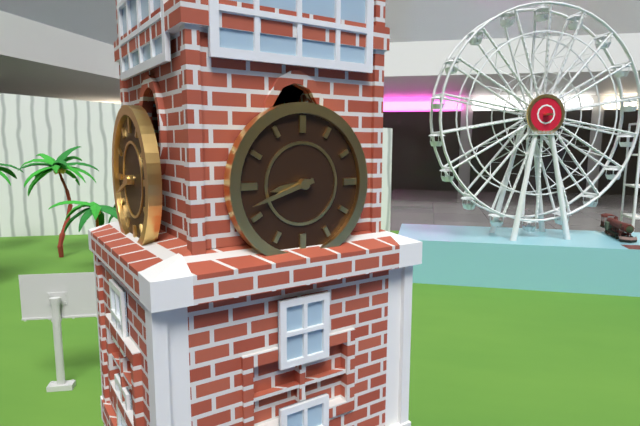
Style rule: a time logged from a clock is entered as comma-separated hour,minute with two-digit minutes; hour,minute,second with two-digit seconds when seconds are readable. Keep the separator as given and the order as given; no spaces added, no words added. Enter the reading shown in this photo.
8,42
